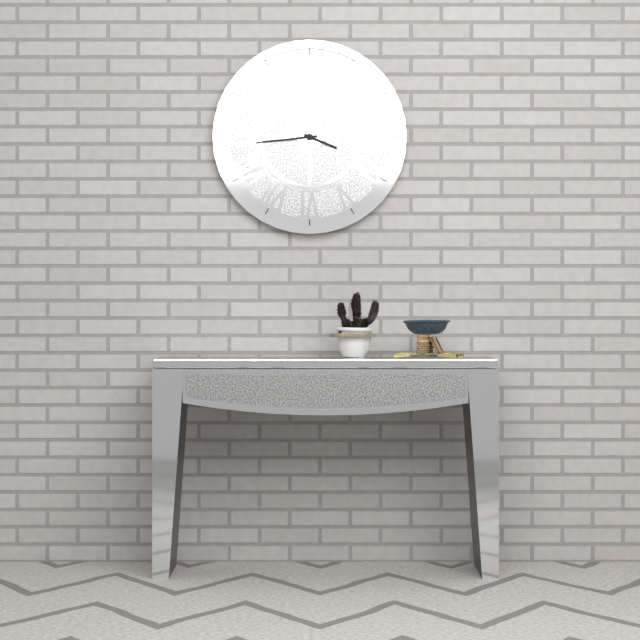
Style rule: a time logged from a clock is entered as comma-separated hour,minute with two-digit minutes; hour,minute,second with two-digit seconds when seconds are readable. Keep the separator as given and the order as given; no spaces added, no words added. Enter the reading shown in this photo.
3,44
